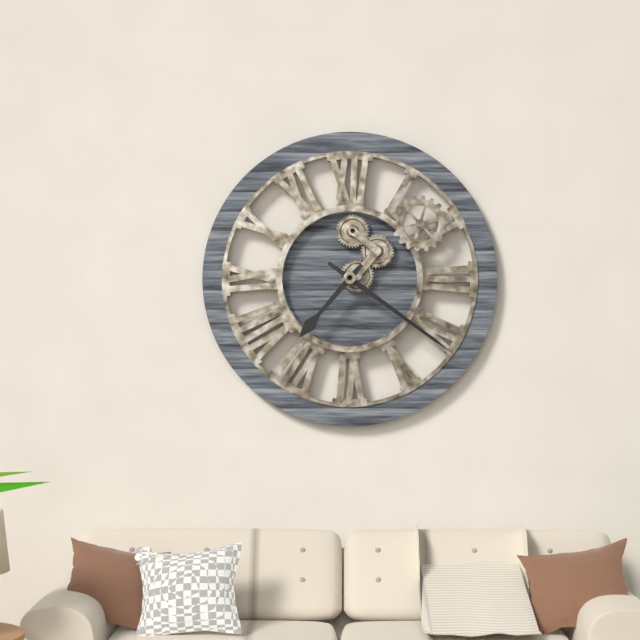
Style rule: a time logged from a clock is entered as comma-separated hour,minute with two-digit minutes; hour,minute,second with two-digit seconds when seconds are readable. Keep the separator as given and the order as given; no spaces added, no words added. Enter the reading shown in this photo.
7,21
